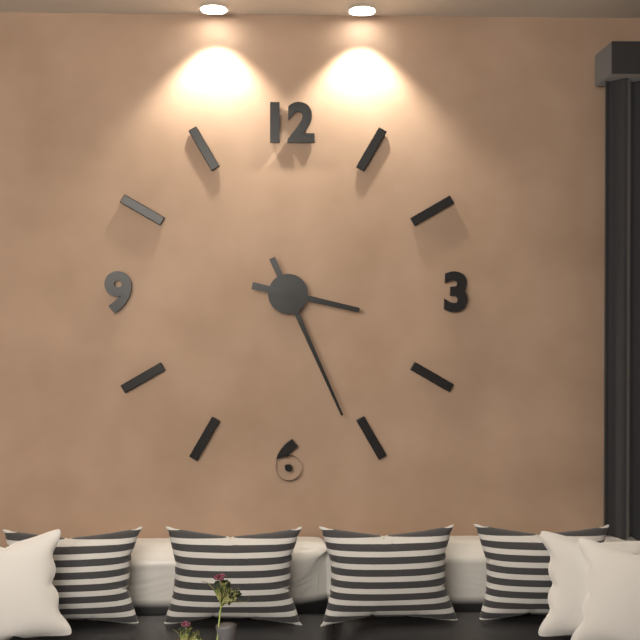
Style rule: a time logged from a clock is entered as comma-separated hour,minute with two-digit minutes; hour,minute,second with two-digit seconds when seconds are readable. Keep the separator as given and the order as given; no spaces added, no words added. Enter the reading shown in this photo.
3,26
